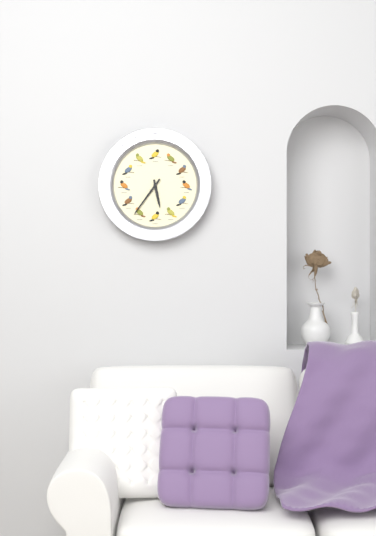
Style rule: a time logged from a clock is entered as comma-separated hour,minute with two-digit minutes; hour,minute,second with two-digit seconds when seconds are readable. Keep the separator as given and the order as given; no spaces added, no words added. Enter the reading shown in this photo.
5,36
